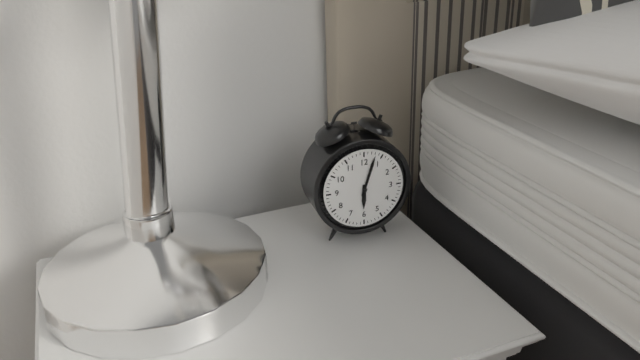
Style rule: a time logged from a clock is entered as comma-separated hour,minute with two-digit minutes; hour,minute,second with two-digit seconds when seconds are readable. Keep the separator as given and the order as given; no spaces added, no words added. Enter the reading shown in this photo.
6,03
